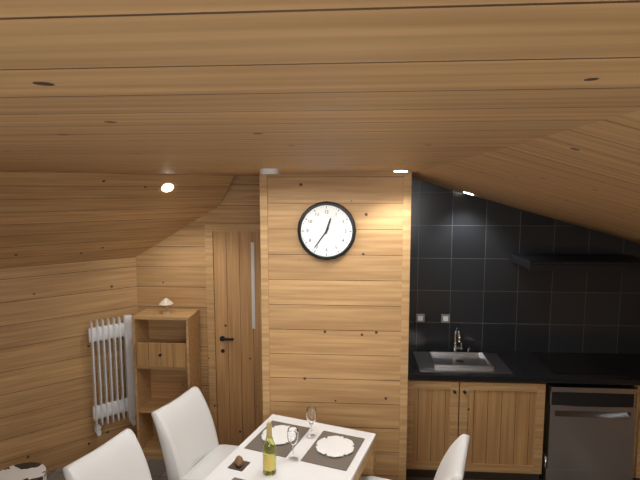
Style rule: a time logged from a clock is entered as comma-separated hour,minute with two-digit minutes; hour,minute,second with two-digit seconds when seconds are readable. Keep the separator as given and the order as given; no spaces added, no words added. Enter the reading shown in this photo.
12,36
